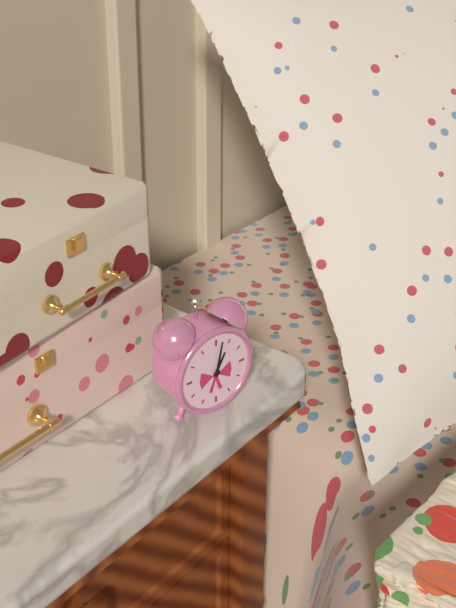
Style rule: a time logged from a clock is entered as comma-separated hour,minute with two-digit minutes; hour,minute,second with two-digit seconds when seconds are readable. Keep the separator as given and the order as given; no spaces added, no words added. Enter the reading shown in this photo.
1,02
